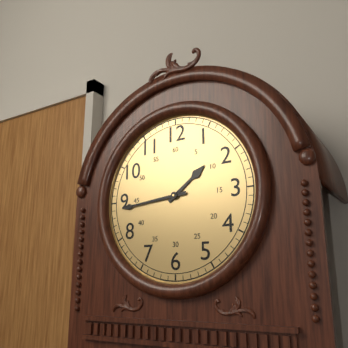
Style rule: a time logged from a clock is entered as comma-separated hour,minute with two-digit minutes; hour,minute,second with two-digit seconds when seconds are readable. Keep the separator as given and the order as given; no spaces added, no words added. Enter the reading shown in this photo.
1,44
